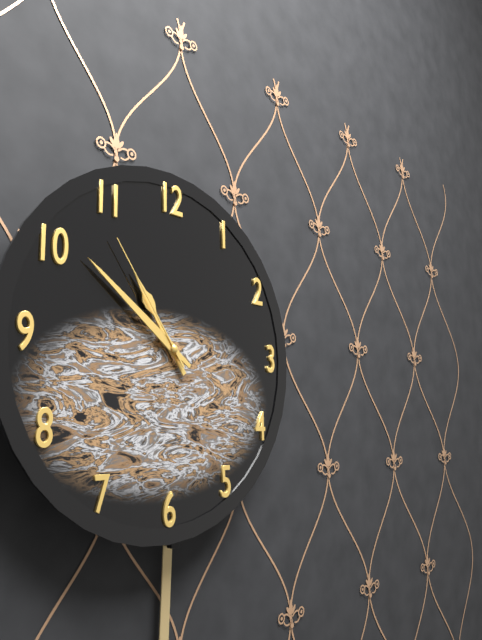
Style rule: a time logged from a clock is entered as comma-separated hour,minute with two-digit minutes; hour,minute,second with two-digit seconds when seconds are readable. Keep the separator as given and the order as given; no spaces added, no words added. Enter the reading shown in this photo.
10,51,54
